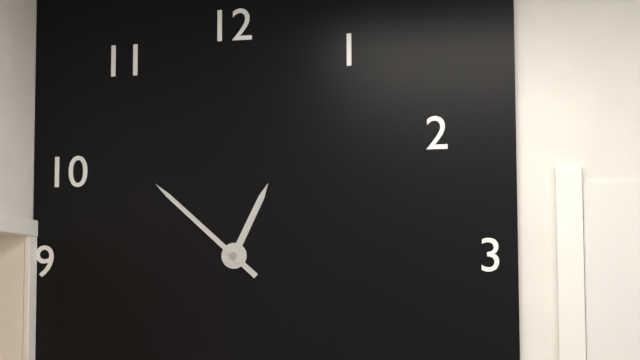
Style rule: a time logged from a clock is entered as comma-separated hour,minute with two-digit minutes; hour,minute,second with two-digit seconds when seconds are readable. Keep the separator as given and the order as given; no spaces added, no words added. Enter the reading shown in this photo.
12,52
